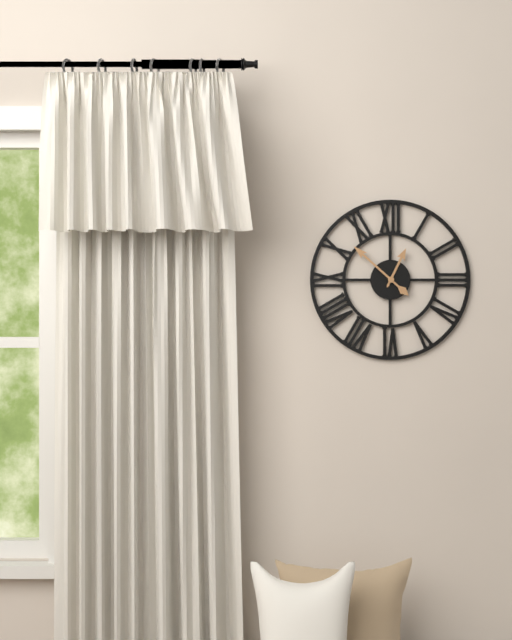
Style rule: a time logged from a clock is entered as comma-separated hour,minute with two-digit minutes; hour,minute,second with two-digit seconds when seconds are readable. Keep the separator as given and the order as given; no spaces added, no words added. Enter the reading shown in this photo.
12,52
